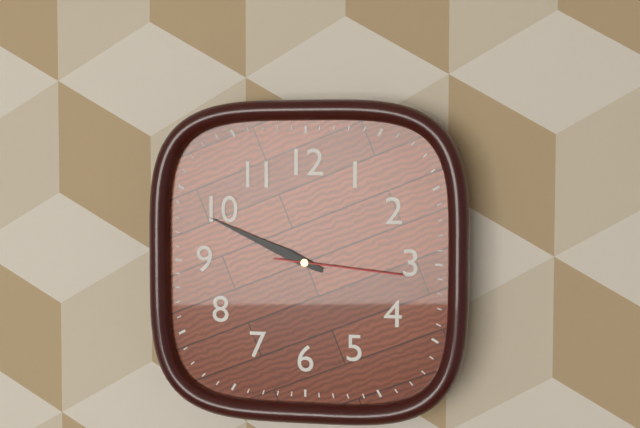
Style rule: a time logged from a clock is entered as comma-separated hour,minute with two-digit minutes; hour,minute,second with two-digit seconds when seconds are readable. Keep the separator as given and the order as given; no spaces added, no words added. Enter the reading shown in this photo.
9,49,16
